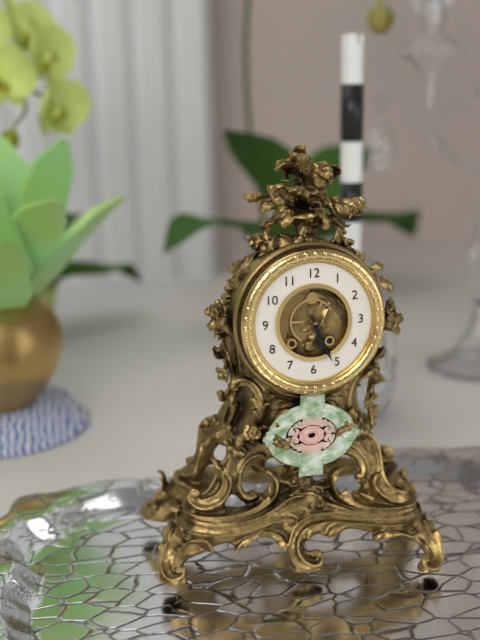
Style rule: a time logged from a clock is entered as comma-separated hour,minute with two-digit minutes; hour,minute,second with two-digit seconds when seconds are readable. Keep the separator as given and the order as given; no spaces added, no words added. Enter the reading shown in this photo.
5,26
